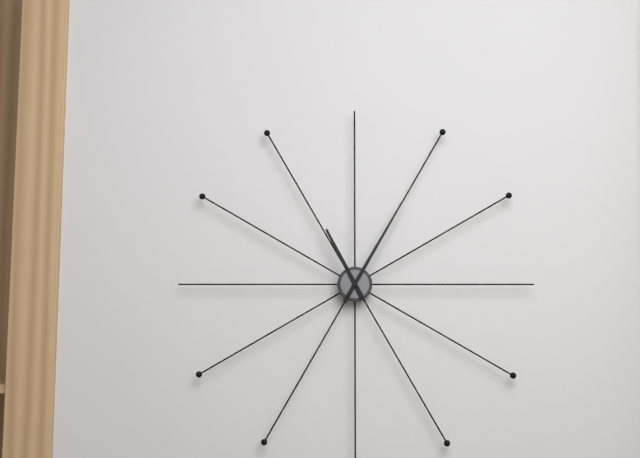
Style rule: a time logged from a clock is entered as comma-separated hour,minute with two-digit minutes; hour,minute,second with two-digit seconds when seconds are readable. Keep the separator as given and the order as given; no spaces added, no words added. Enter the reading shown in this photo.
11,05
